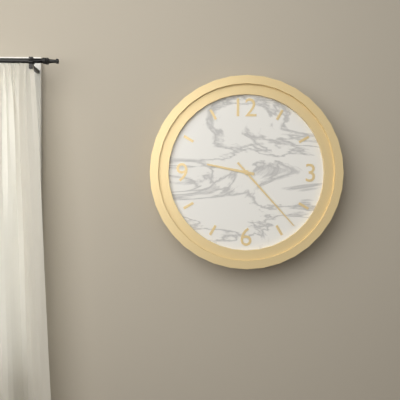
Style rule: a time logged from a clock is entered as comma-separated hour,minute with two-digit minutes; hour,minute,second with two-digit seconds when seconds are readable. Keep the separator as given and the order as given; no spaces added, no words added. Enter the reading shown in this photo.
9,23
